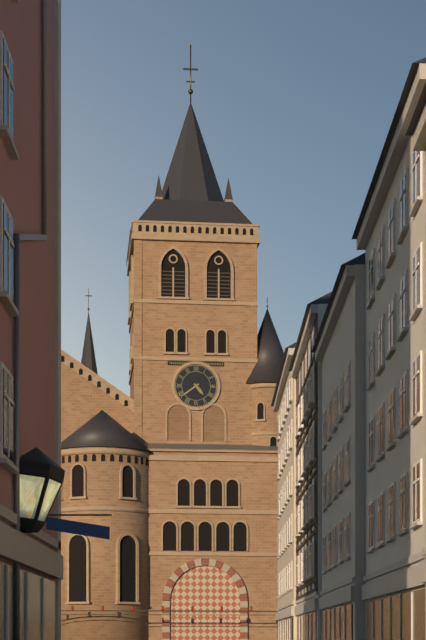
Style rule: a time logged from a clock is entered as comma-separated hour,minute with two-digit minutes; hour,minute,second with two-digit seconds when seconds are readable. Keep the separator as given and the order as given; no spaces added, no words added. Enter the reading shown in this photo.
4,39
